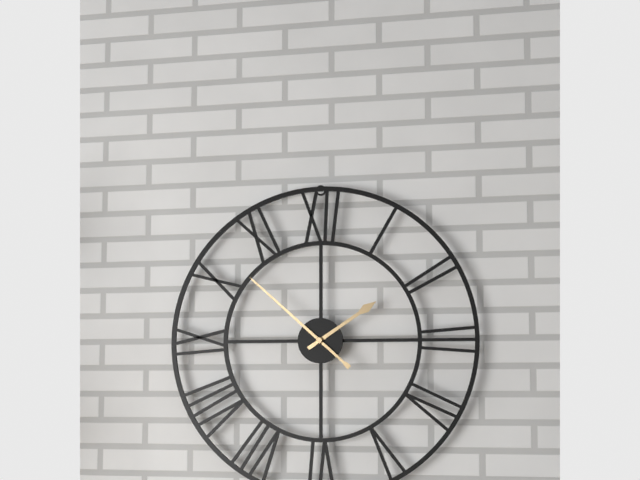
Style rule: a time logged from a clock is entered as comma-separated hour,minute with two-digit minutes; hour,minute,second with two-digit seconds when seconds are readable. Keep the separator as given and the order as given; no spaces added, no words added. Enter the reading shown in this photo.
1,52
